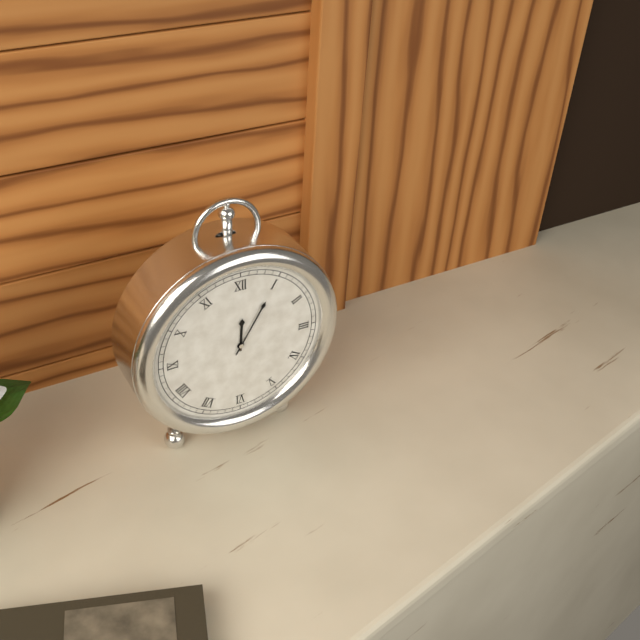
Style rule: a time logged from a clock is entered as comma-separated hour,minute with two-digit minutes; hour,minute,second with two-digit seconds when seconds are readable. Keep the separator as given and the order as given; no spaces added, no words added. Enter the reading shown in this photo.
12,05
